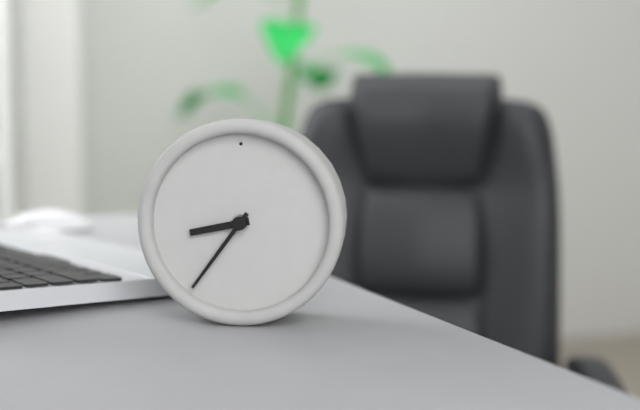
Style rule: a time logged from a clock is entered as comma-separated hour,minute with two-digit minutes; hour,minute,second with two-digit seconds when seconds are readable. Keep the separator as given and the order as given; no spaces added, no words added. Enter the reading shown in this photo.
8,36
